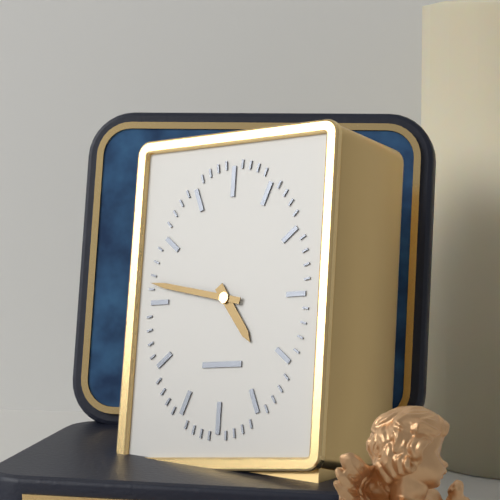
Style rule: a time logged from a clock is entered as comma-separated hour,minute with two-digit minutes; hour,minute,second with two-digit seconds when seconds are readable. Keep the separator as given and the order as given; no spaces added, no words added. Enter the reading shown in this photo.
4,47
